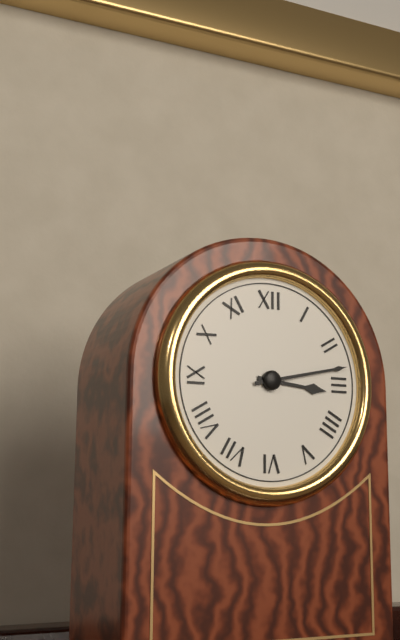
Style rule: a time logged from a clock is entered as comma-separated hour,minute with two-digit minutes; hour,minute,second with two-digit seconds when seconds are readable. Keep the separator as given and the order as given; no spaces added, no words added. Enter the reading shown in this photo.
3,13
